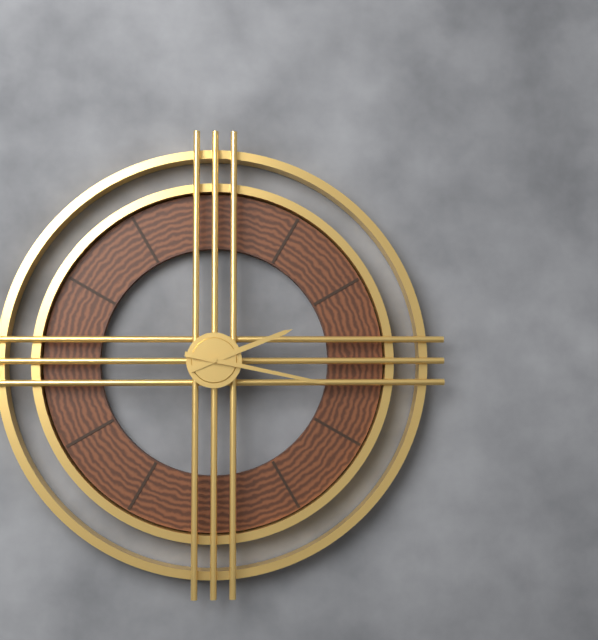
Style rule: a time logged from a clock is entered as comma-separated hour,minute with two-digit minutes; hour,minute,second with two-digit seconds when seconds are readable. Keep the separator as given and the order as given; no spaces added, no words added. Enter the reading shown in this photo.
2,17
